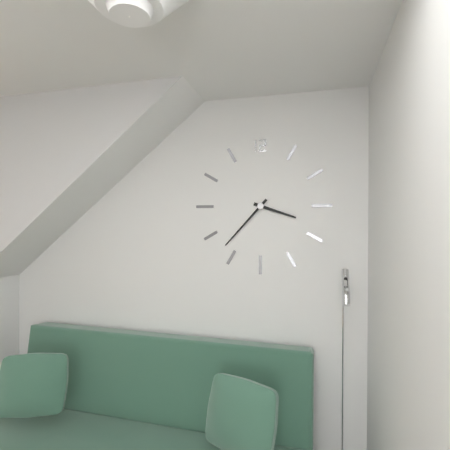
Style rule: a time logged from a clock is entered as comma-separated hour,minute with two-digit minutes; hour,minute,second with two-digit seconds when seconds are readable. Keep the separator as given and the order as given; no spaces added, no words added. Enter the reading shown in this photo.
3,37
